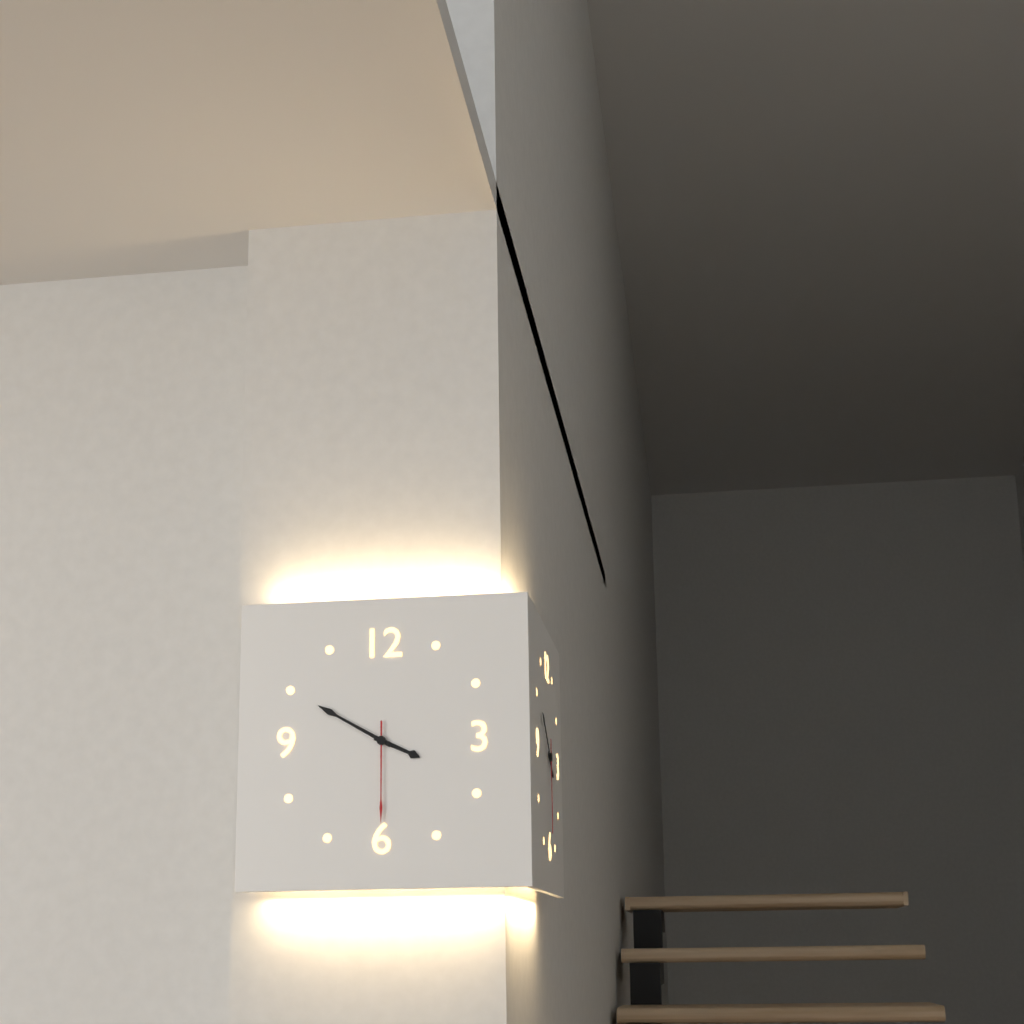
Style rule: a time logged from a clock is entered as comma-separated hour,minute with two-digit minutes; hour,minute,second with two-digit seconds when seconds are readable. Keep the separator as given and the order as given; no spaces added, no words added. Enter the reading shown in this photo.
3,50,30
